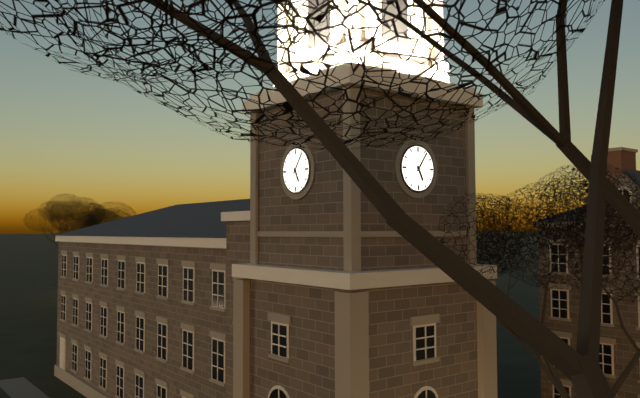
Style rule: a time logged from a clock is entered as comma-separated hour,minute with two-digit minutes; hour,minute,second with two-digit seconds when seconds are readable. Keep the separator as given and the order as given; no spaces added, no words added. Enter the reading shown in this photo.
5,06
